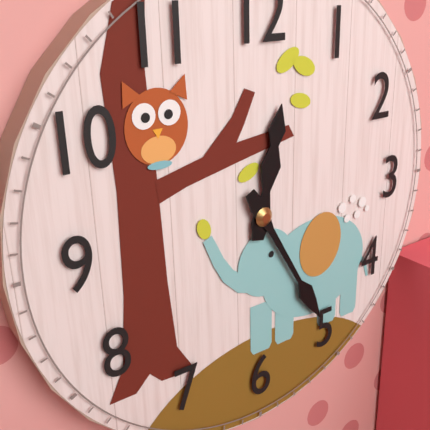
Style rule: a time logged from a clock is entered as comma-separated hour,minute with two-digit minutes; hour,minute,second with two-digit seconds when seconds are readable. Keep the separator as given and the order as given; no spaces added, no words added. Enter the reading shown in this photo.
12,25
